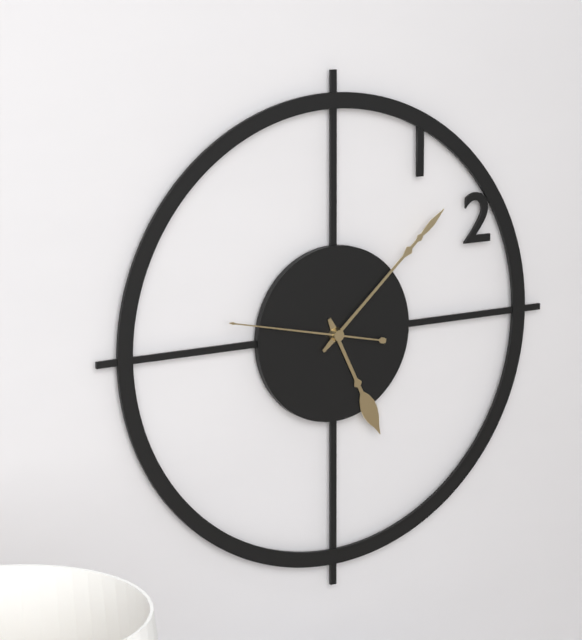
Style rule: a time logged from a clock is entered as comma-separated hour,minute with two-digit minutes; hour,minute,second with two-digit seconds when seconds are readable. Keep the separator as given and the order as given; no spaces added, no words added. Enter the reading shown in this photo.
5,08,47
